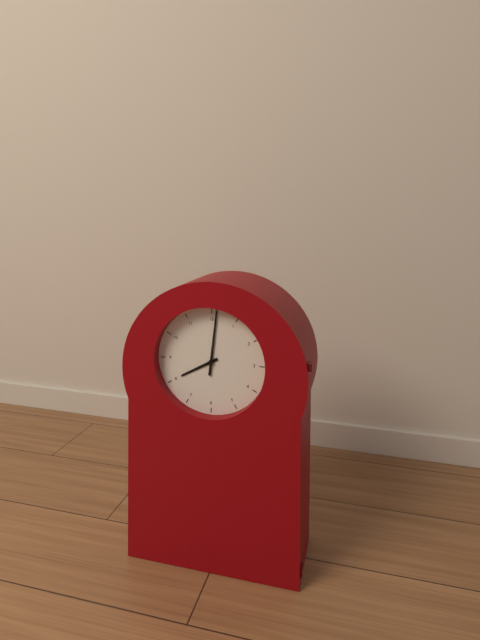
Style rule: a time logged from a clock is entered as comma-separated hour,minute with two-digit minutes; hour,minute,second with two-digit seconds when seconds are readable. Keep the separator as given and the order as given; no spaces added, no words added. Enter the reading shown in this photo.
8,01
